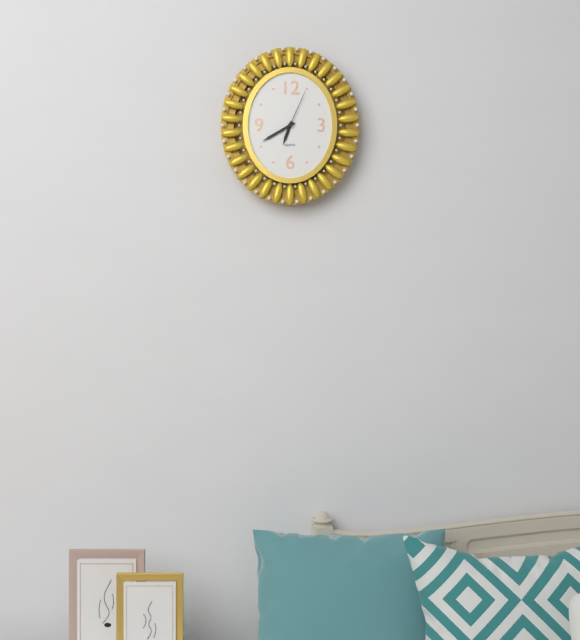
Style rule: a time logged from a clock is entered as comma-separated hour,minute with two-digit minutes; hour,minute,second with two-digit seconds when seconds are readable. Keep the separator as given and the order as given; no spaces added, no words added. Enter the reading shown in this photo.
6,40
